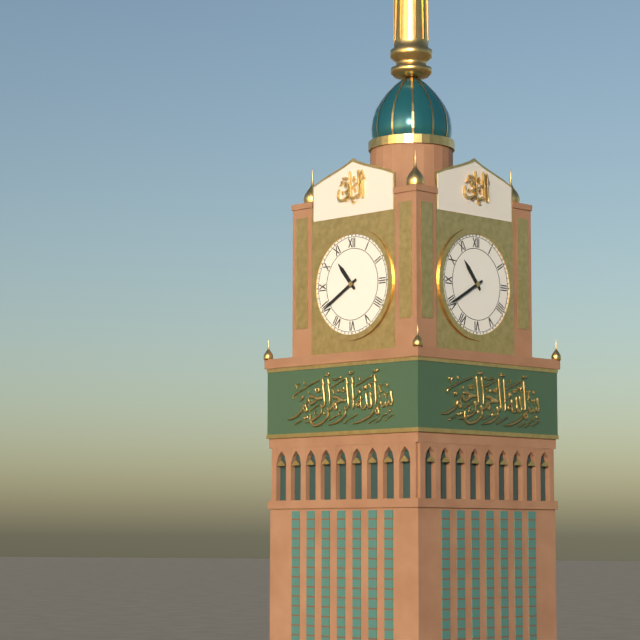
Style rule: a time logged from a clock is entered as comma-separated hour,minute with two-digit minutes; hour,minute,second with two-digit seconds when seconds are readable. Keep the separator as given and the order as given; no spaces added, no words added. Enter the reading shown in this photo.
10,40
